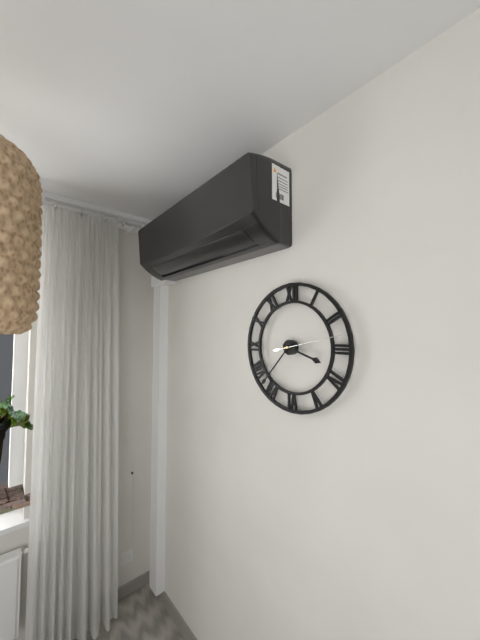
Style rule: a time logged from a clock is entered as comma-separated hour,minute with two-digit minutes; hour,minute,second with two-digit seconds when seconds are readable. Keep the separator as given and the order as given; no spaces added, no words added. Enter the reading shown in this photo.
3,37,13
